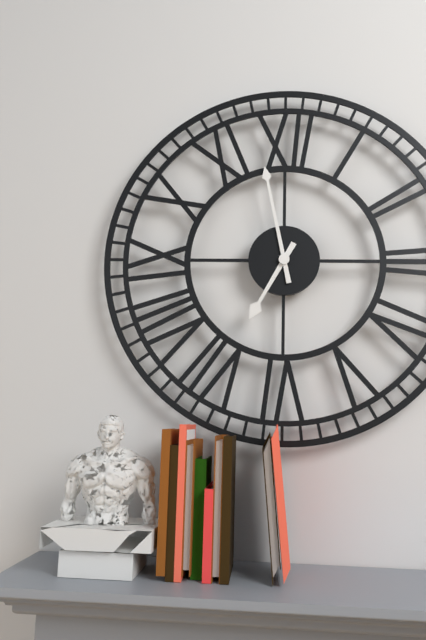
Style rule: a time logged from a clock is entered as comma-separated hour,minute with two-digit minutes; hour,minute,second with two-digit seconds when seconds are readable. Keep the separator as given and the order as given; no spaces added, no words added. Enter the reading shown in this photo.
6,58
